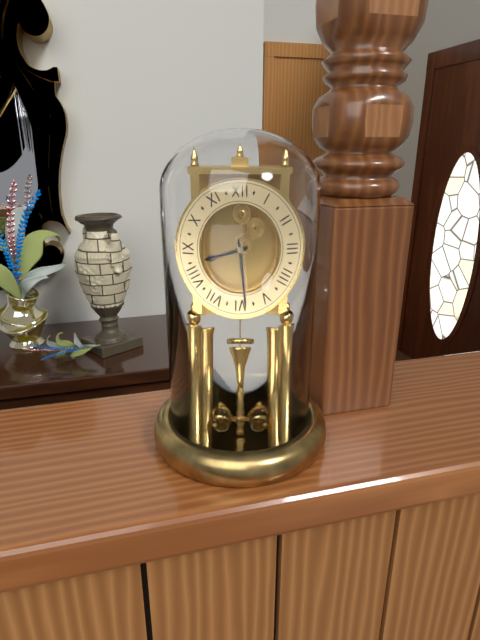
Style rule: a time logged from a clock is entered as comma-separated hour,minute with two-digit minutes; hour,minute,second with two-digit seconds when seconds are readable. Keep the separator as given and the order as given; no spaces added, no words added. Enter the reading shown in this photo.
8,29
